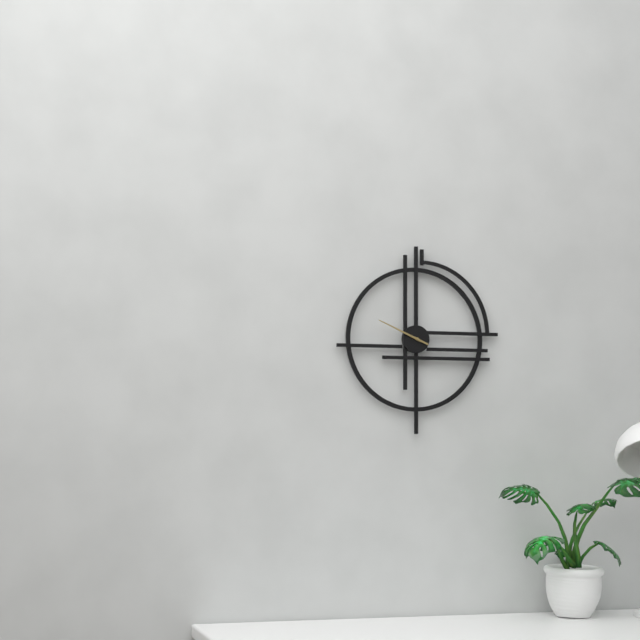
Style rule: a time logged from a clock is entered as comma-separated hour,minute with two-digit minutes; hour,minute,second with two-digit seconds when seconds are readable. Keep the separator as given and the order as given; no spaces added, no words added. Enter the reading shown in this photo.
9,49
